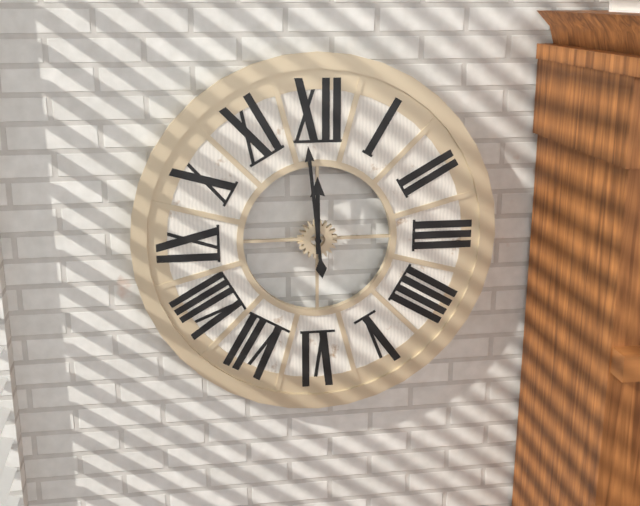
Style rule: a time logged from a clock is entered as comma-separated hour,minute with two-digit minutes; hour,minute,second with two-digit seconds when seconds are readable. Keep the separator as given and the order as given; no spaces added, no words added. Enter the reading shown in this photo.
11,59
